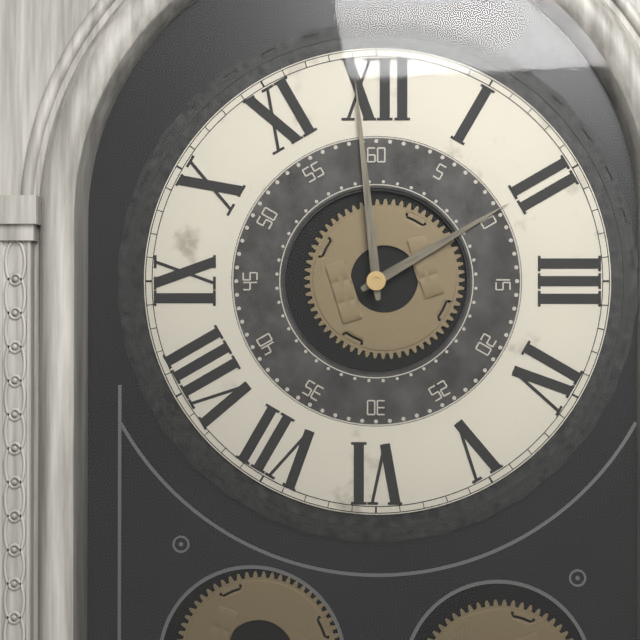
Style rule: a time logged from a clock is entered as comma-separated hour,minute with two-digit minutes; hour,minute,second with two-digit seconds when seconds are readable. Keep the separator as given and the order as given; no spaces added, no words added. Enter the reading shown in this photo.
1,59
